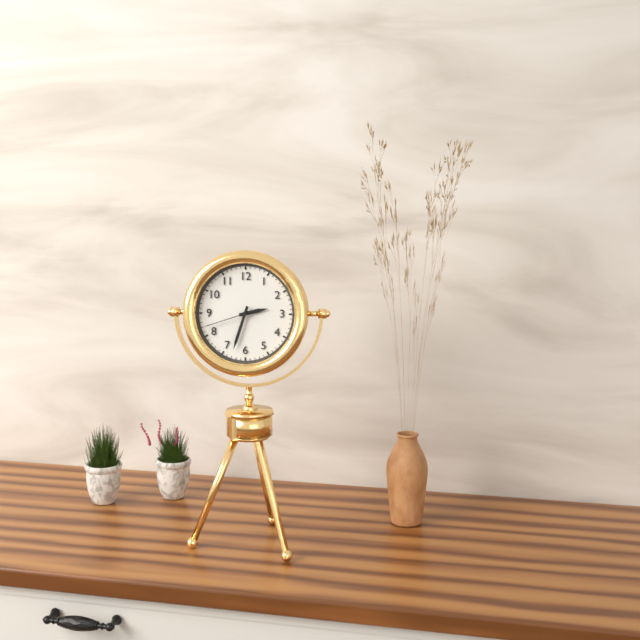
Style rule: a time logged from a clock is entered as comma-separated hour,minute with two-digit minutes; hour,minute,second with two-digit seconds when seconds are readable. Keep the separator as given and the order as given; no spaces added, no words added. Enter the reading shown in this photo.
2,33,42
